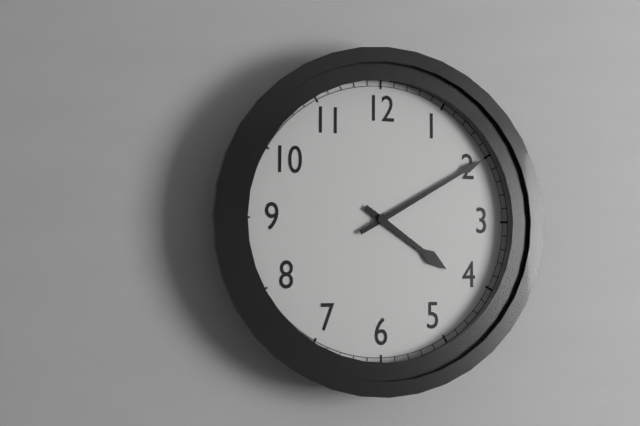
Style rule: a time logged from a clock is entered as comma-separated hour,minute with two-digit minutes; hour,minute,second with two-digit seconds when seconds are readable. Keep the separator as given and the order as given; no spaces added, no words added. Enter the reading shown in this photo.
4,10
